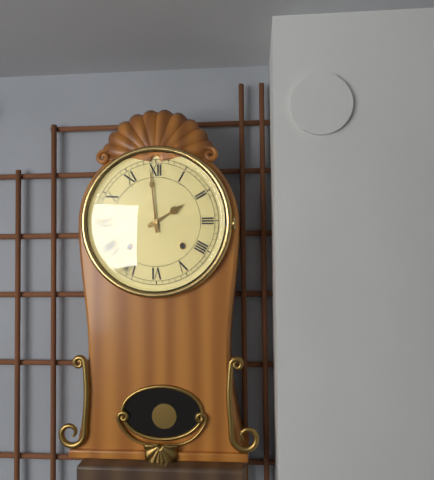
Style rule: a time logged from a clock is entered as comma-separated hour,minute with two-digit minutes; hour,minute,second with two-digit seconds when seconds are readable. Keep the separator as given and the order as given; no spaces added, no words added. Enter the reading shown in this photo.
1,59
